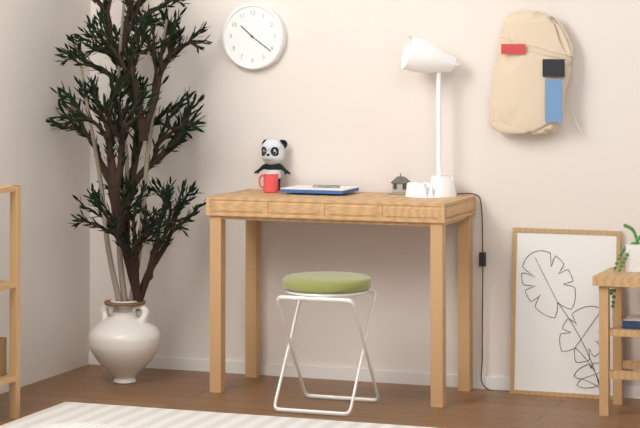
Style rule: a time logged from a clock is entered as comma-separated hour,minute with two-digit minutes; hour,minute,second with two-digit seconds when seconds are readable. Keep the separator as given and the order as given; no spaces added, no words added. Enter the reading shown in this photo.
10,21
